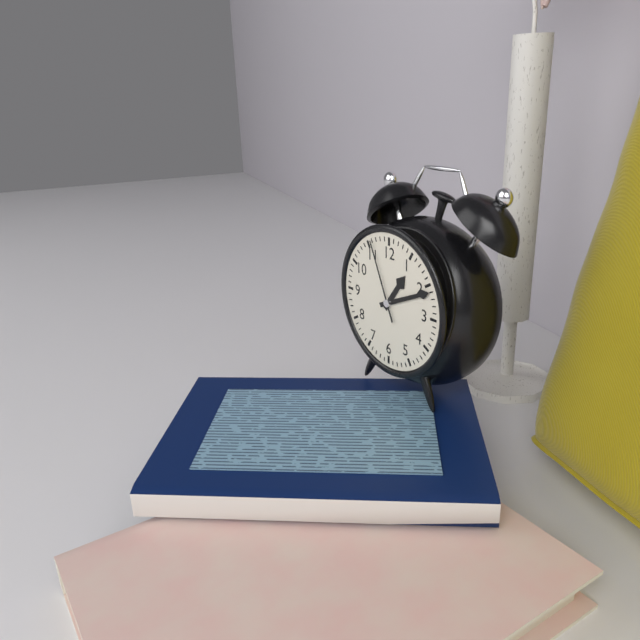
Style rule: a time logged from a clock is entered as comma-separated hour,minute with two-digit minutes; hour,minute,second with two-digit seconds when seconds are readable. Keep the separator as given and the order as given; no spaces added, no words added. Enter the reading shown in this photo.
1,11,56
